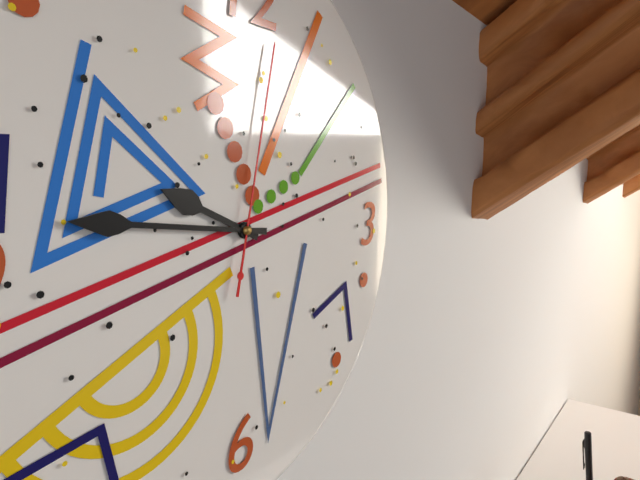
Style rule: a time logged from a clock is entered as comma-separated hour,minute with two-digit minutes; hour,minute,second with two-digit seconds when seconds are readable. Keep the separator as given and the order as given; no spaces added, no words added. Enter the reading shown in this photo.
9,46,02
